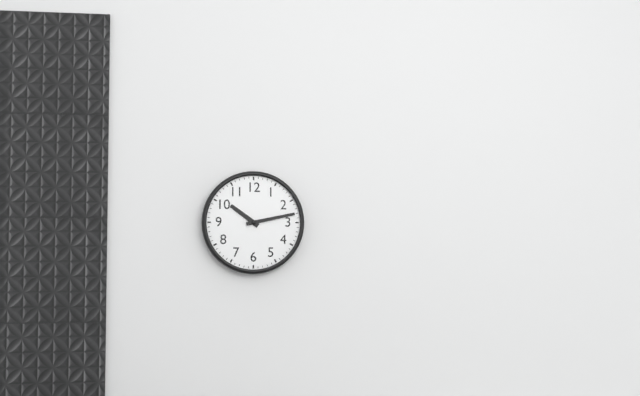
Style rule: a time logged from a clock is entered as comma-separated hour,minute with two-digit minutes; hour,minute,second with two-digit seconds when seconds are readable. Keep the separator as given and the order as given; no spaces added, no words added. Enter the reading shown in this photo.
10,13
